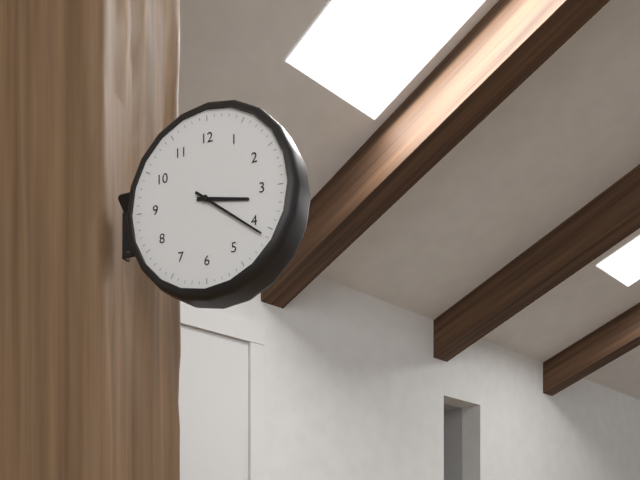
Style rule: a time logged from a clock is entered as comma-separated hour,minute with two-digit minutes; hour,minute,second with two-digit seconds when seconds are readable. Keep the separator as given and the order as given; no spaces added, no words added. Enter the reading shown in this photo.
3,21
